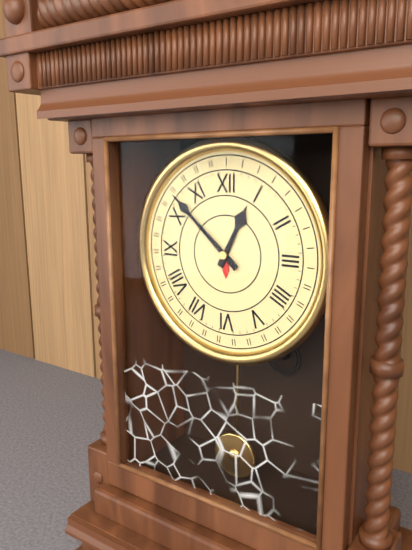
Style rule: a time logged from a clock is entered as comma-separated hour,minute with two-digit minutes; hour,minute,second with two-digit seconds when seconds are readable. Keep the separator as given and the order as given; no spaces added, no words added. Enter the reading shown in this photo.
12,52
